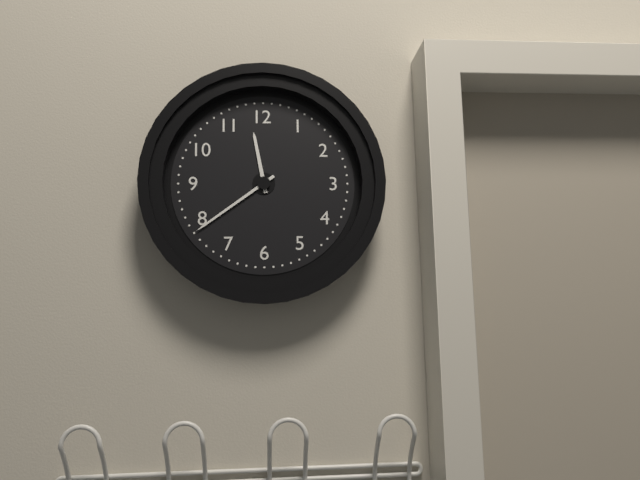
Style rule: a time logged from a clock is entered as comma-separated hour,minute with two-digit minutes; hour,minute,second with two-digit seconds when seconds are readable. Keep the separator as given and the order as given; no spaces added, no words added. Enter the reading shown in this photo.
11,39
